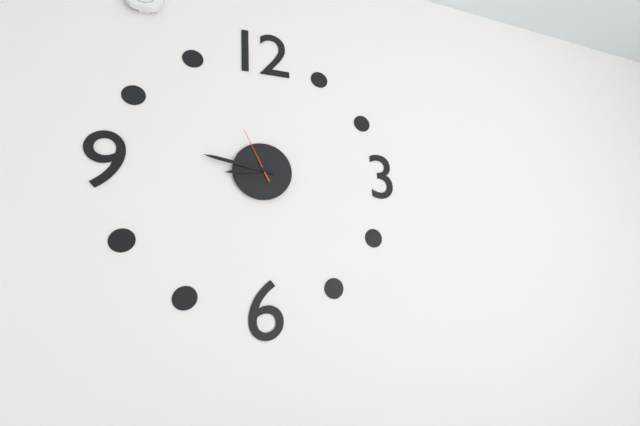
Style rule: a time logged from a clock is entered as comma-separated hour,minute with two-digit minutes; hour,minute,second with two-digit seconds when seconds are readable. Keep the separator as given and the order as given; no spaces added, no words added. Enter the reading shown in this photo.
8,47,56
